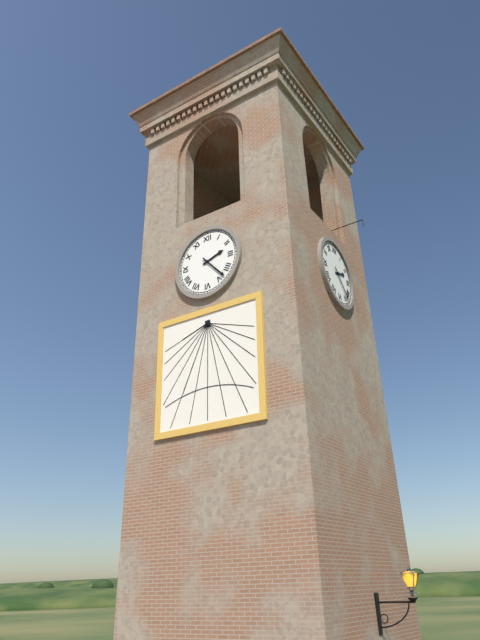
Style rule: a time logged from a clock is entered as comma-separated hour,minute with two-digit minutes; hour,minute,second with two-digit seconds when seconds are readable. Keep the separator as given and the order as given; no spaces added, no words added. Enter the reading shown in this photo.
2,23
